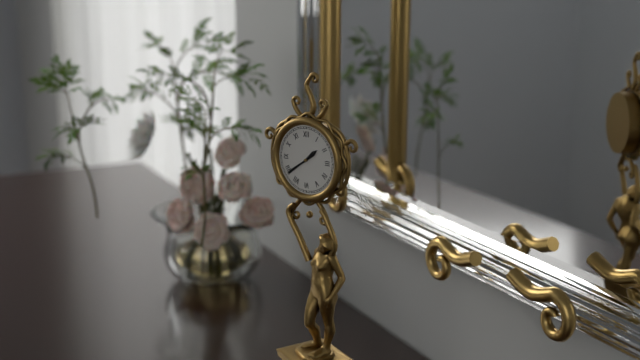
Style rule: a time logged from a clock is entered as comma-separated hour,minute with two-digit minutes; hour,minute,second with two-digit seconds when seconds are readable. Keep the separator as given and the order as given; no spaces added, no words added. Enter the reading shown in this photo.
1,39
